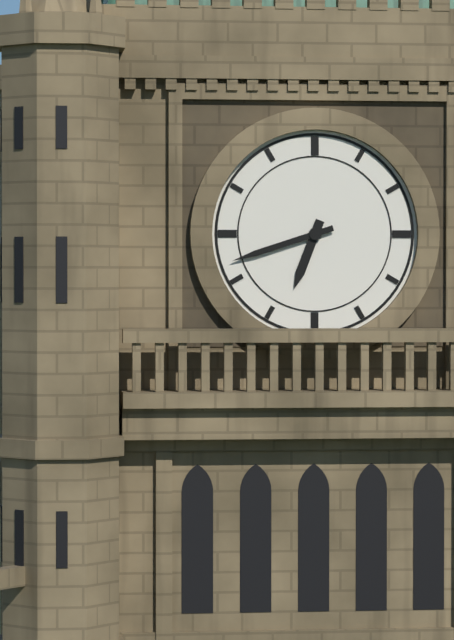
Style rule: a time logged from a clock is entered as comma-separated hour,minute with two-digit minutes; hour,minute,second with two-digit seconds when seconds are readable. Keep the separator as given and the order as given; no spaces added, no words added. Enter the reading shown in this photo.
6,42
